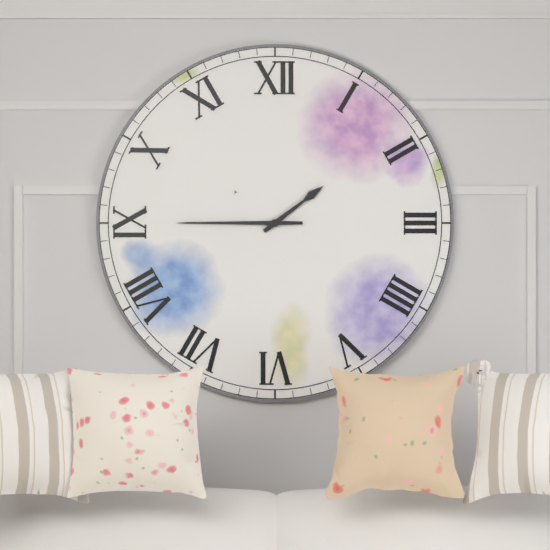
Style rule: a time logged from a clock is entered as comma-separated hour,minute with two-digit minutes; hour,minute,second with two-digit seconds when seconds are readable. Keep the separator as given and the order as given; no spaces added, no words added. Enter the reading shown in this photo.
1,45
